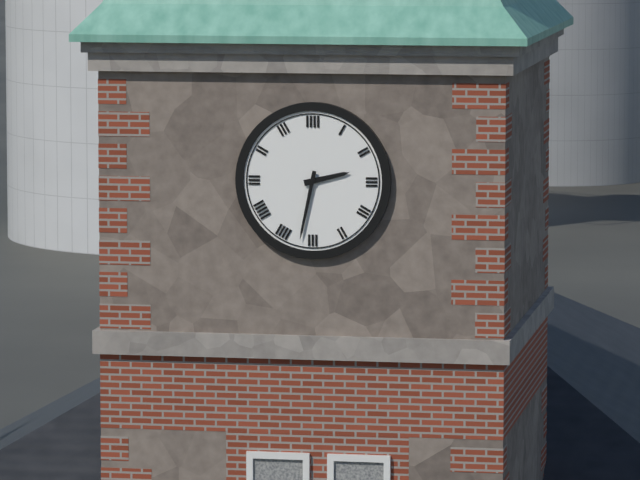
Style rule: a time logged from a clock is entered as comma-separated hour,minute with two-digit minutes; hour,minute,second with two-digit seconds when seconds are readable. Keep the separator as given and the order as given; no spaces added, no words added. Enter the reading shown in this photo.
2,32
